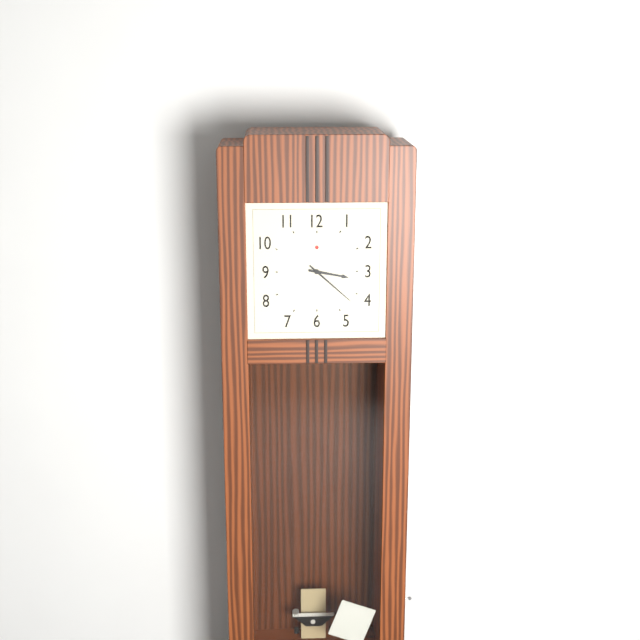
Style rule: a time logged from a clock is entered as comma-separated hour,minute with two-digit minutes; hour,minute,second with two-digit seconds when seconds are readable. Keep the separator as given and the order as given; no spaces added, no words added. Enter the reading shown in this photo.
3,22
